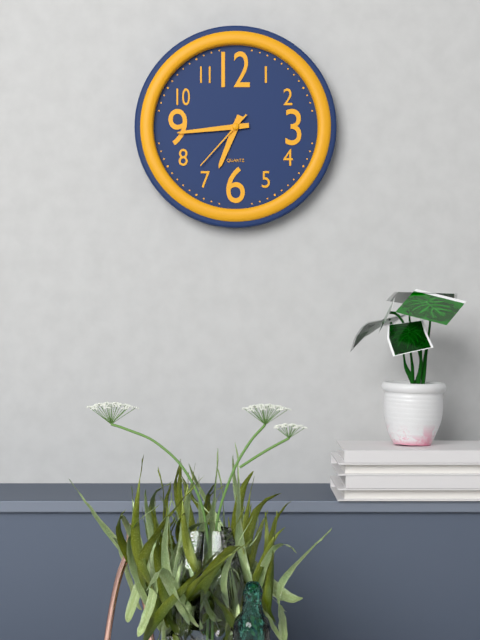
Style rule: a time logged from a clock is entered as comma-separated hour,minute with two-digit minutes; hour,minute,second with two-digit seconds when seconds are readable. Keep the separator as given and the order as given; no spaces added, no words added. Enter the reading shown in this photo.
6,44,37
